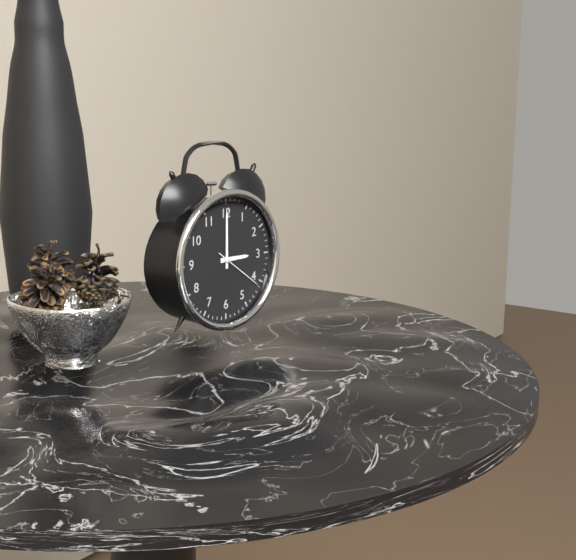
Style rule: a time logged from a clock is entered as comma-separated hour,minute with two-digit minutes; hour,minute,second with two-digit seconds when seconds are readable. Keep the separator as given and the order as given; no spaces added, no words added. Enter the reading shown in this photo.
3,00,21
